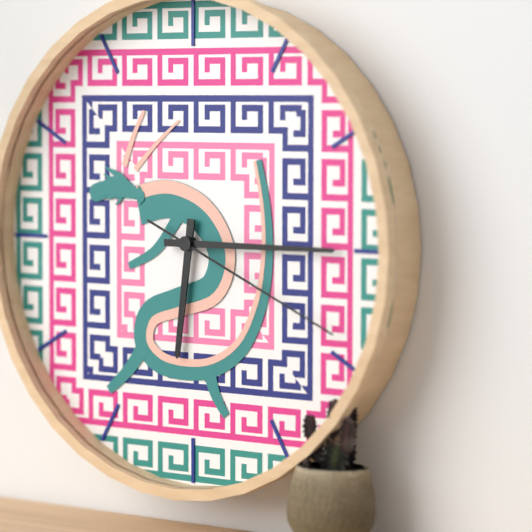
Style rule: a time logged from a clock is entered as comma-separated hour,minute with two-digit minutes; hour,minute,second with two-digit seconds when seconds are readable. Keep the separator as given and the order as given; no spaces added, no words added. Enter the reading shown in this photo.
6,15,19
